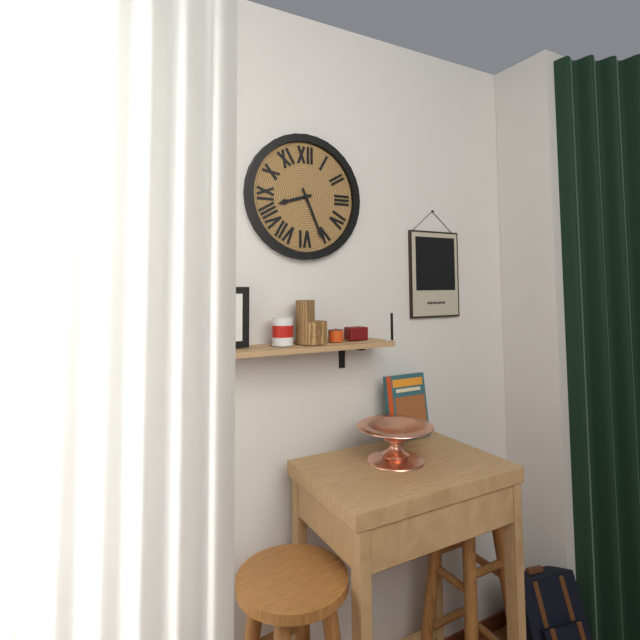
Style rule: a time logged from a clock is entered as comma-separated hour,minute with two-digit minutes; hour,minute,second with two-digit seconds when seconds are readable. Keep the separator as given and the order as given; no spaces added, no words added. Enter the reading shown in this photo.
8,26
